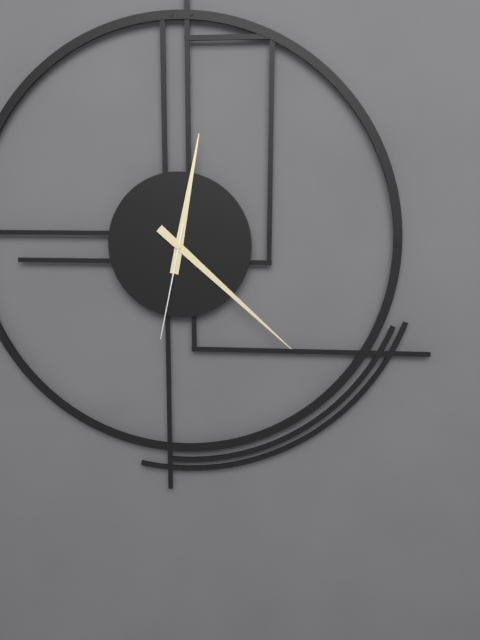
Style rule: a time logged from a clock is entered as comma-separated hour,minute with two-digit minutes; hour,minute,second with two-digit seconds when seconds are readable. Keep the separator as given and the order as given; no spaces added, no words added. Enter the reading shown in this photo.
12,22,32
